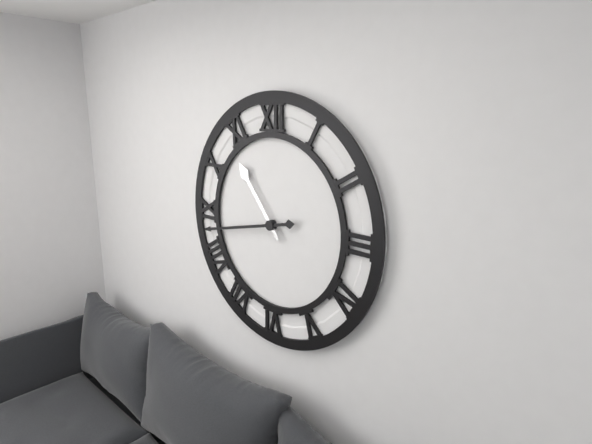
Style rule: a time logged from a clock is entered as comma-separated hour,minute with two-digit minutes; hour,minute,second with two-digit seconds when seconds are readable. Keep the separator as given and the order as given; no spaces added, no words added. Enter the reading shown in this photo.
10,43
